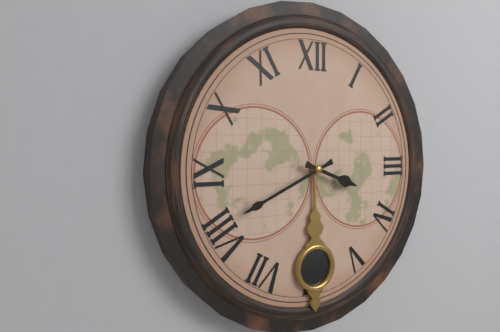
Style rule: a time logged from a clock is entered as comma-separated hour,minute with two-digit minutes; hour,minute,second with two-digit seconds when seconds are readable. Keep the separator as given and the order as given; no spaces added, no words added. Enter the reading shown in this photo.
3,41
